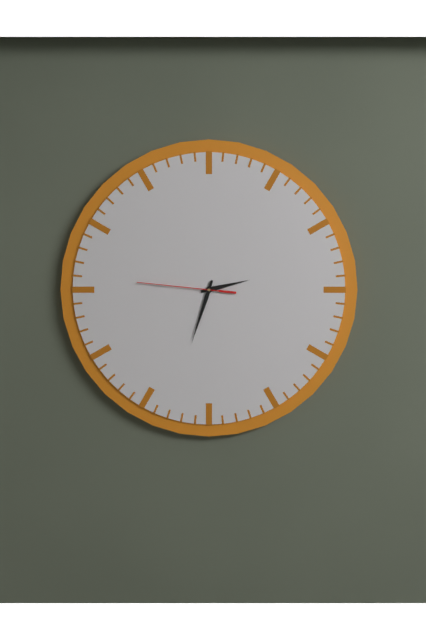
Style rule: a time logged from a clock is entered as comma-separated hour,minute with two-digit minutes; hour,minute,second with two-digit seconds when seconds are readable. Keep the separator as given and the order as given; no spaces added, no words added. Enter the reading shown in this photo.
2,33,46
